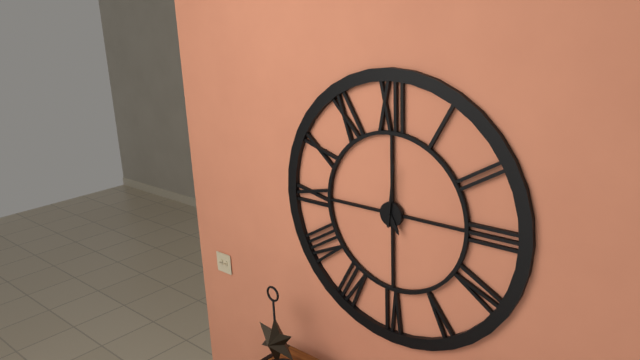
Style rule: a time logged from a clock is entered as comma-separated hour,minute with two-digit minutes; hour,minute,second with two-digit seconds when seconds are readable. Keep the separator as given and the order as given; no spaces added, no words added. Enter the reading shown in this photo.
5,01
